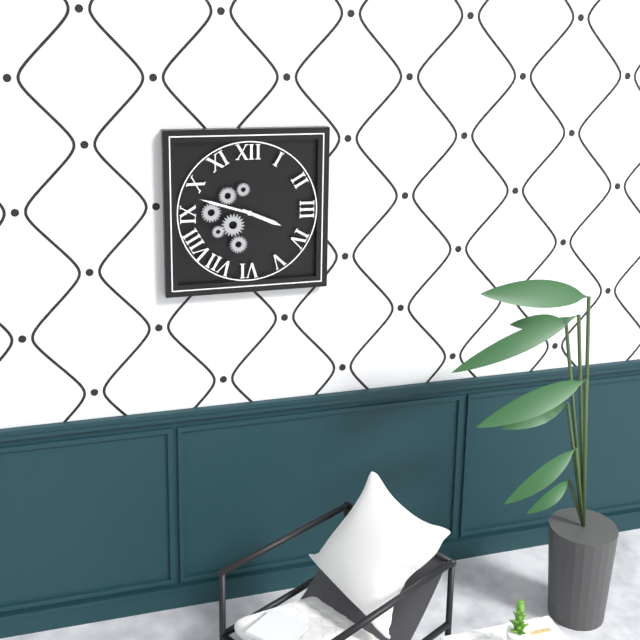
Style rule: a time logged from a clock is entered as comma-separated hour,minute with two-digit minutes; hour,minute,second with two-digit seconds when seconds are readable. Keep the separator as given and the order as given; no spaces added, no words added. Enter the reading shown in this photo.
3,48
